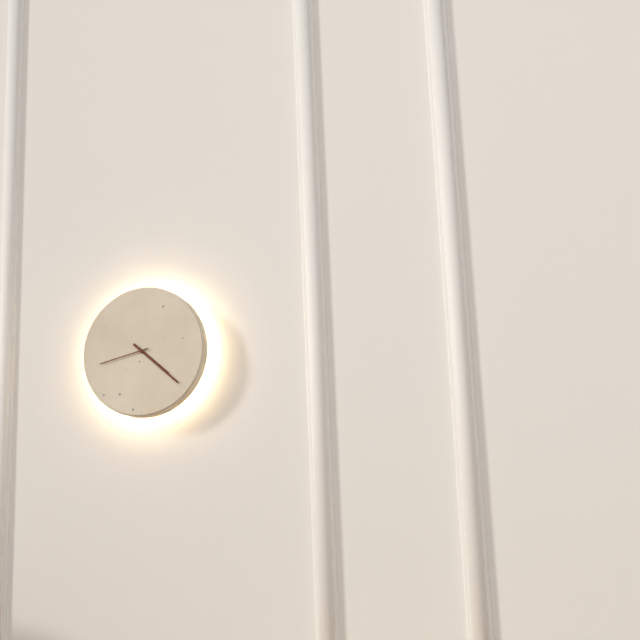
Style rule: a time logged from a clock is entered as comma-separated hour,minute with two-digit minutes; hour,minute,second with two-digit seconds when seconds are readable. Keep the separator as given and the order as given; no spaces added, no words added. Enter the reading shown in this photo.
4,22,43
